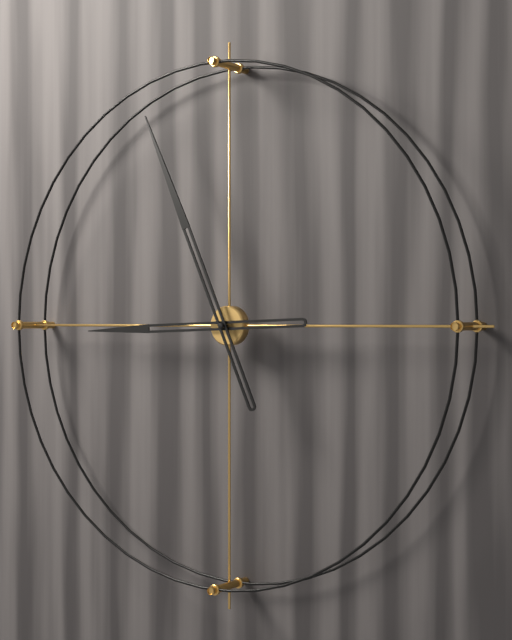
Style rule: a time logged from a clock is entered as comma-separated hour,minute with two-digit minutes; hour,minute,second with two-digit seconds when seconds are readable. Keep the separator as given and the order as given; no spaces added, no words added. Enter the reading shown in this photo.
8,56
